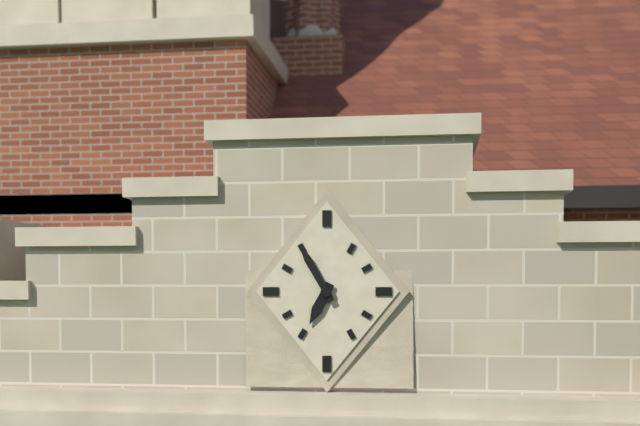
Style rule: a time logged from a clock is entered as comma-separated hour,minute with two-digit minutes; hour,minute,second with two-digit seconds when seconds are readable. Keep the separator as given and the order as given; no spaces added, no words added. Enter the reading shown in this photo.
6,55
